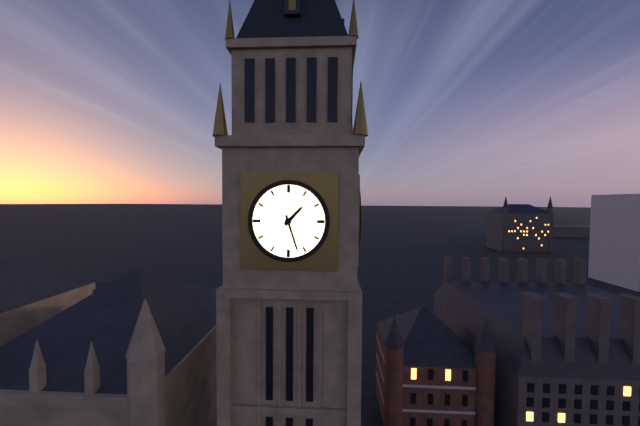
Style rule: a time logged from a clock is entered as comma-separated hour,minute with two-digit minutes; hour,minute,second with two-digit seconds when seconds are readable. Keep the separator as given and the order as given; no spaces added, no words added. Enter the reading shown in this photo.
1,27
